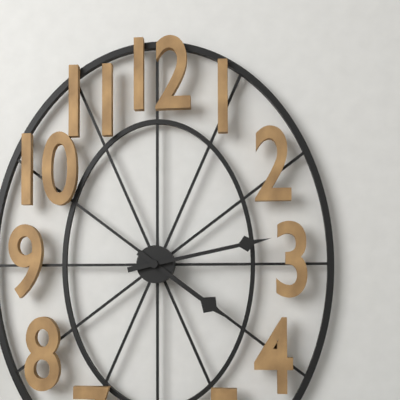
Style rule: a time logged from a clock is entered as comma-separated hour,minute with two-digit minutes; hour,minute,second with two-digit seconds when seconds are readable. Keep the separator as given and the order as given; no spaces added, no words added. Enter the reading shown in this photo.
4,13
